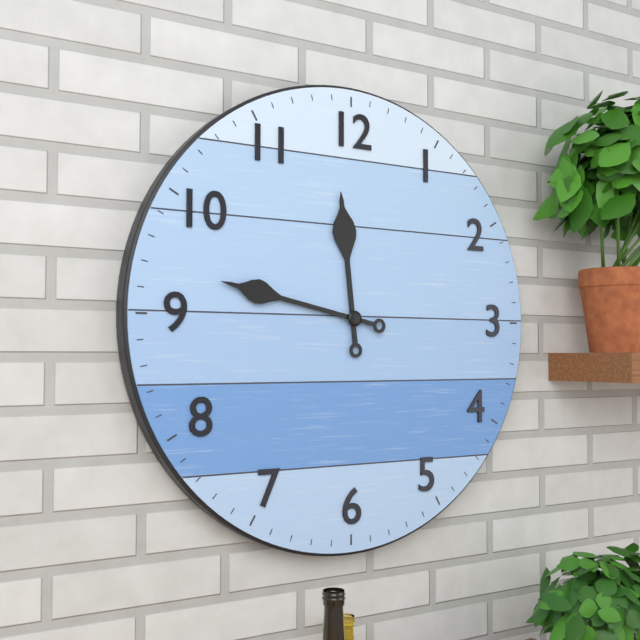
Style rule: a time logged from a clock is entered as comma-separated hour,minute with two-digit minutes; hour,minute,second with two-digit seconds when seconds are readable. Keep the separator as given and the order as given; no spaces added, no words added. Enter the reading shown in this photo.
11,47
